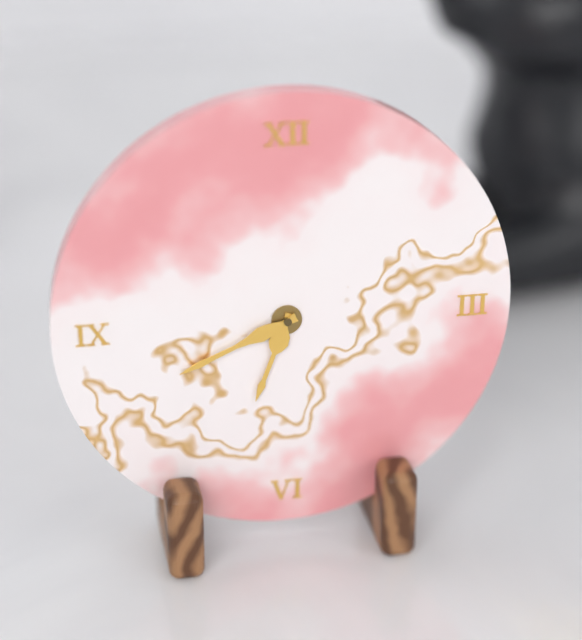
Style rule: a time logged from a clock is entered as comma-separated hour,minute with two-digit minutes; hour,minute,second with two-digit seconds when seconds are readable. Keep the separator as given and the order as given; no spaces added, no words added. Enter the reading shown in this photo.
6,41
